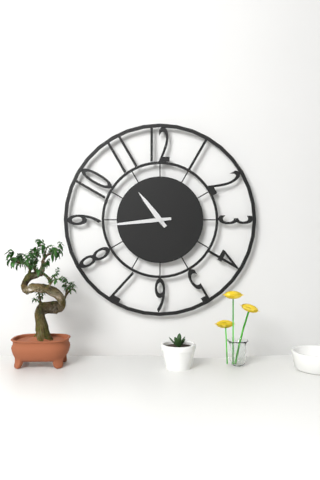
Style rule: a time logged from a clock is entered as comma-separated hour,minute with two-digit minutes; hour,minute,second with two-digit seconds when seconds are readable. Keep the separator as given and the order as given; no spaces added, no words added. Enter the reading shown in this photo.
10,44
